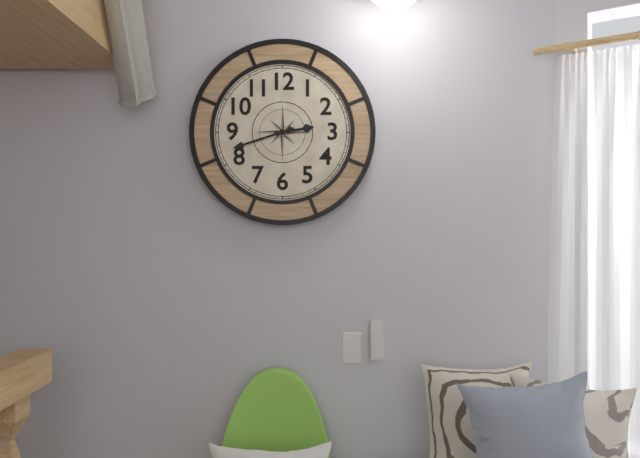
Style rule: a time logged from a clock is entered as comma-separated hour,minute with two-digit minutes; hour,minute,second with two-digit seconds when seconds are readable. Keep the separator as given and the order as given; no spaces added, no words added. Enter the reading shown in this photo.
2,42
